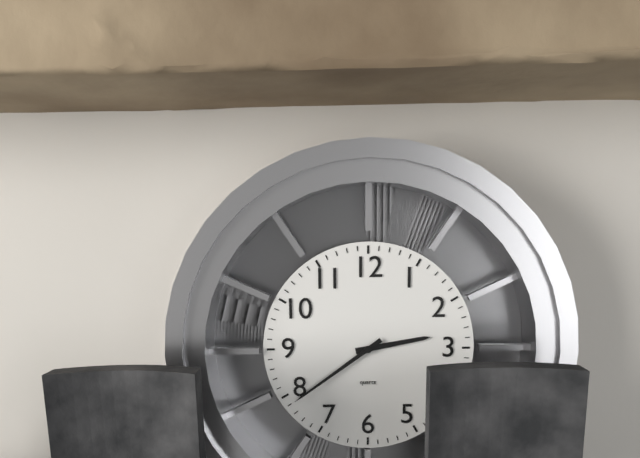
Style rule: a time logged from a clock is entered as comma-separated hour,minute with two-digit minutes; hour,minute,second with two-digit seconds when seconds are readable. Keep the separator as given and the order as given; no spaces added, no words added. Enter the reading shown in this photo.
2,39
